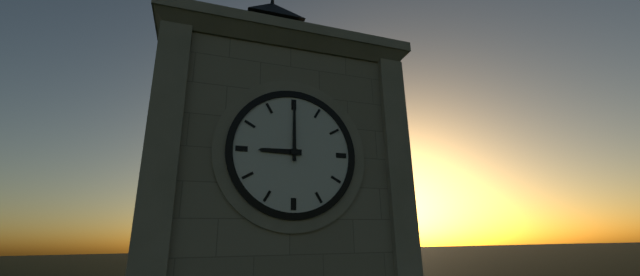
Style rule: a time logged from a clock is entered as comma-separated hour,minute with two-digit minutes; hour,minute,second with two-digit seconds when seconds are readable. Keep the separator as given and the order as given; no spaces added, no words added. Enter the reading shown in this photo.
9,00
